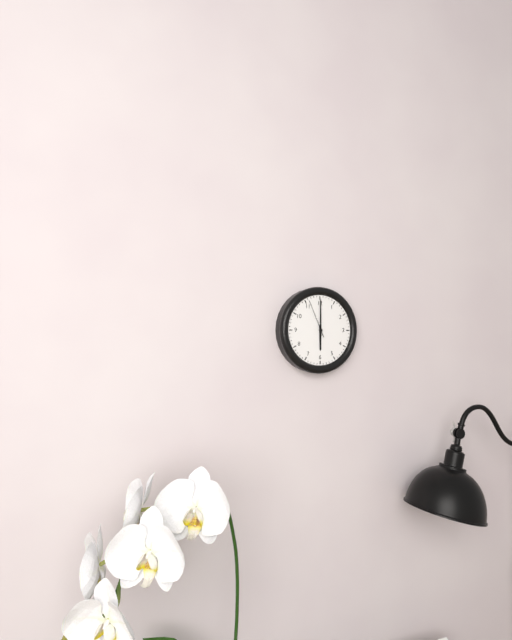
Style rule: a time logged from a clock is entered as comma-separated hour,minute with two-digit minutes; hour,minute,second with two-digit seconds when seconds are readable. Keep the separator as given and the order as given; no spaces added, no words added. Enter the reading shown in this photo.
6,00
